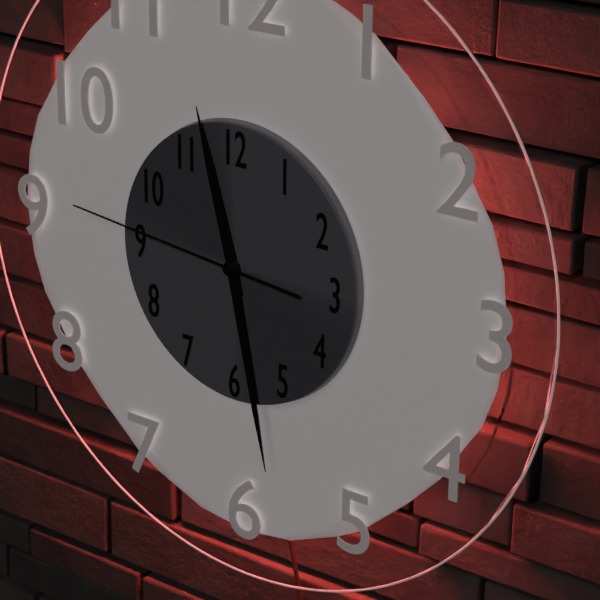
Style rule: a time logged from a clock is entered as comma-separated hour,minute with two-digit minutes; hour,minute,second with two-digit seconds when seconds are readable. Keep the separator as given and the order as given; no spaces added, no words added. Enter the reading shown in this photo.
11,28,46
